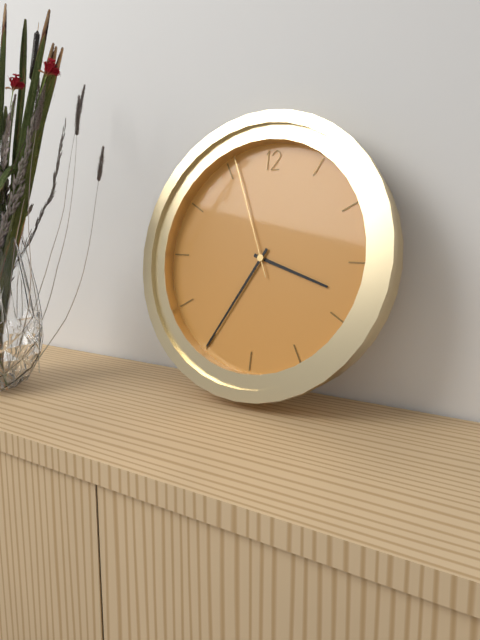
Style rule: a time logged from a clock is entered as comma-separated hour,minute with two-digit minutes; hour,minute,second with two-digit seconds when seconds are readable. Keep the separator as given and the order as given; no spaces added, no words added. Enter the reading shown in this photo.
3,35,56
